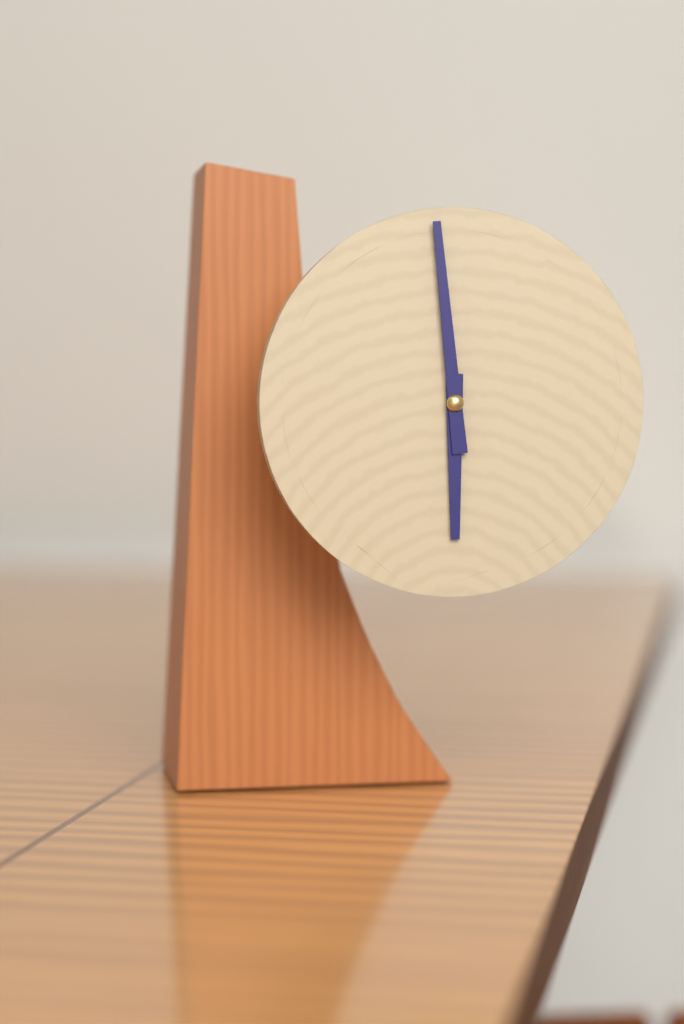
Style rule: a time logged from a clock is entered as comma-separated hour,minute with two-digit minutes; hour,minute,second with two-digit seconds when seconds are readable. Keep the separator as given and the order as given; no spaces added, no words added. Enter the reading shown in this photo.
5,59
